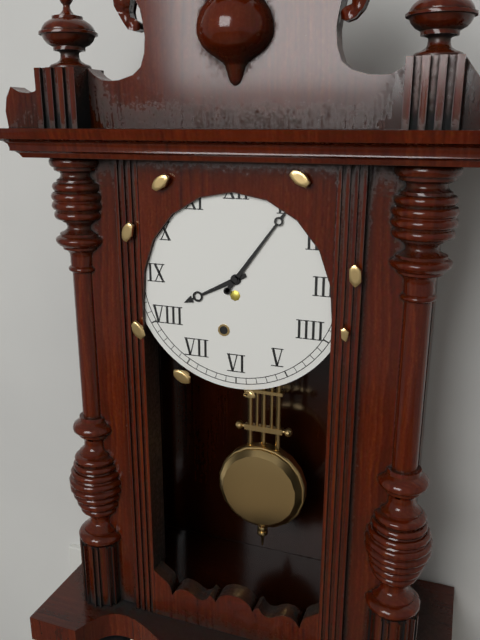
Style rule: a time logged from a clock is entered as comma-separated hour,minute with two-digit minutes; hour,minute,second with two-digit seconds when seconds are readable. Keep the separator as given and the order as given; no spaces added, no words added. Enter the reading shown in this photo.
8,06
